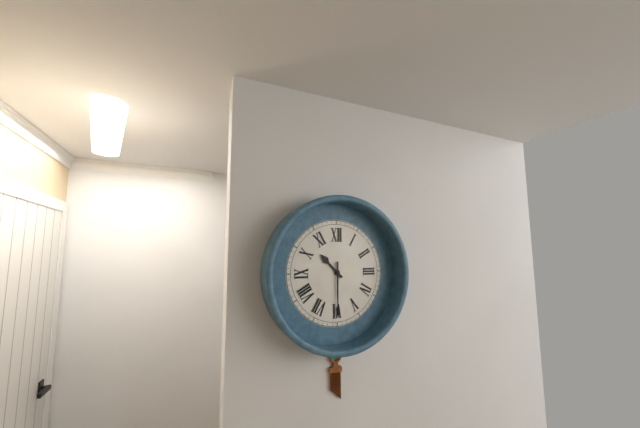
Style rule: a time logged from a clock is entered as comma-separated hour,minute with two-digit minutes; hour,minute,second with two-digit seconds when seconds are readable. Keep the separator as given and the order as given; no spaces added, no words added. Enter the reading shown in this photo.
10,30
